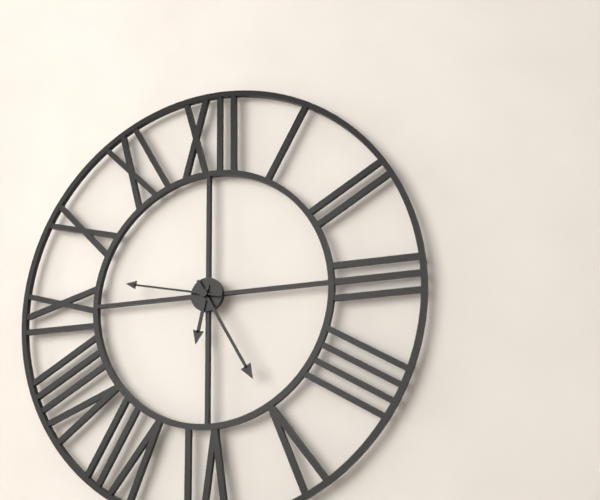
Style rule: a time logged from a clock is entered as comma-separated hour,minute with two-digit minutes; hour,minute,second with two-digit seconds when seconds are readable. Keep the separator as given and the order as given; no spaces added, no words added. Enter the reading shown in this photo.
6,25,47
